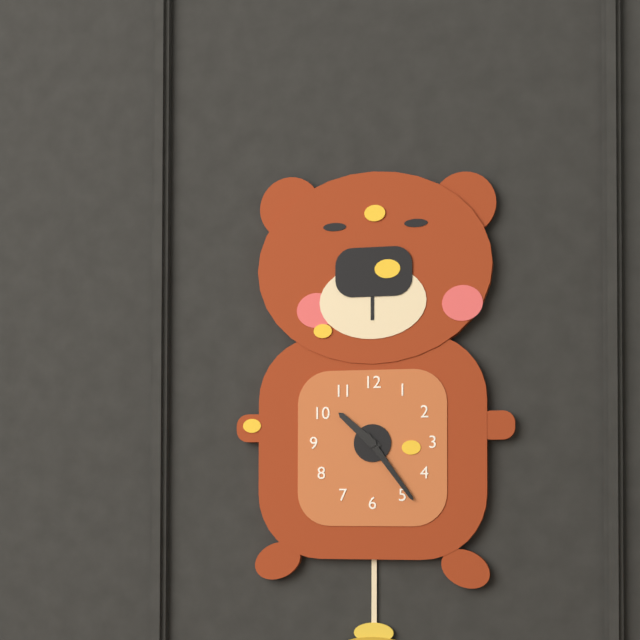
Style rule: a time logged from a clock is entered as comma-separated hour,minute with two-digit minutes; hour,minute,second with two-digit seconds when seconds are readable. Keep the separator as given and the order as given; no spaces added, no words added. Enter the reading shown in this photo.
10,24
